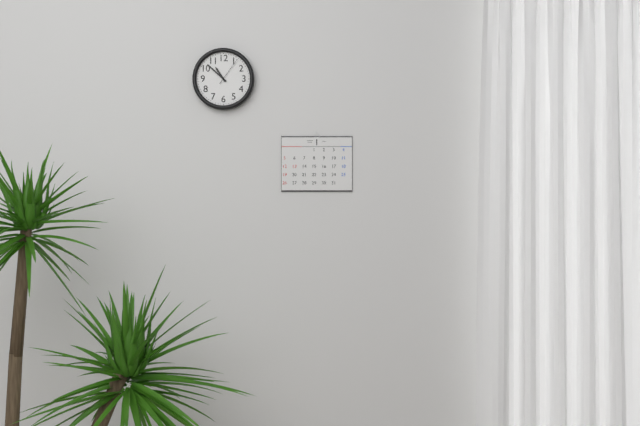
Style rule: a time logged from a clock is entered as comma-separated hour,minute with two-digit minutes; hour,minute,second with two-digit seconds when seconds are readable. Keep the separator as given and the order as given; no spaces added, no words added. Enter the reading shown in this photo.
10,52
